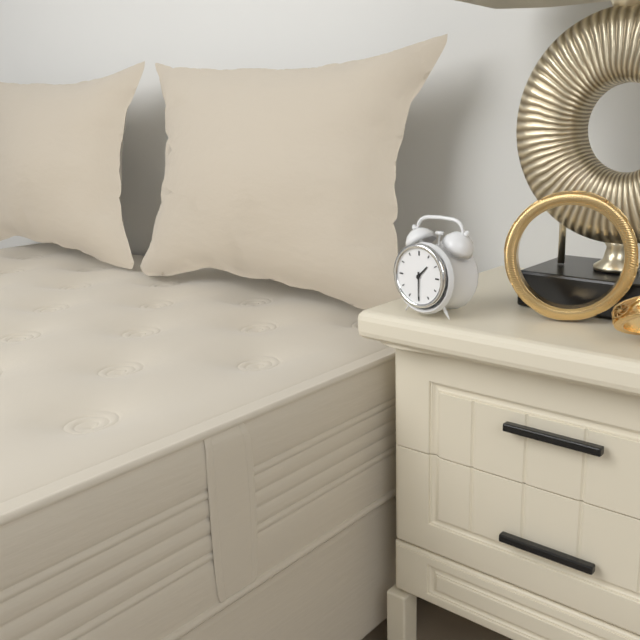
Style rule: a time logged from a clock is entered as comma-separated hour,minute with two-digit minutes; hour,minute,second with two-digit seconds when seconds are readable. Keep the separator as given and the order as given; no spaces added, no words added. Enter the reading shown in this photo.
1,30
